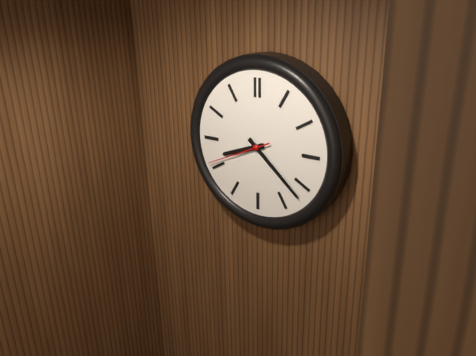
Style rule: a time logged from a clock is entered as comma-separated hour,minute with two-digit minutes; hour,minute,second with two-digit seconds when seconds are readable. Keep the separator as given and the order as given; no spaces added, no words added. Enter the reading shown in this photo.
8,22,41
